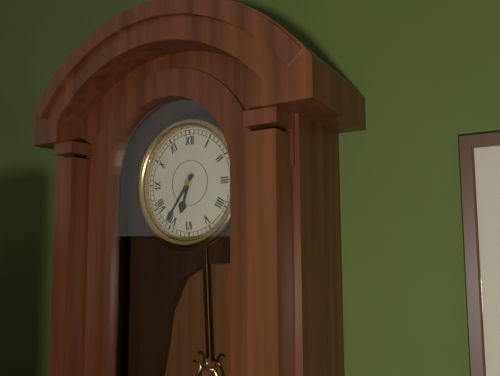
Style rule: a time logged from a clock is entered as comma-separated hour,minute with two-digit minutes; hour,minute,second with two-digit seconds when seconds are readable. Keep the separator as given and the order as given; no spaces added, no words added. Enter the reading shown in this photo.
6,36
